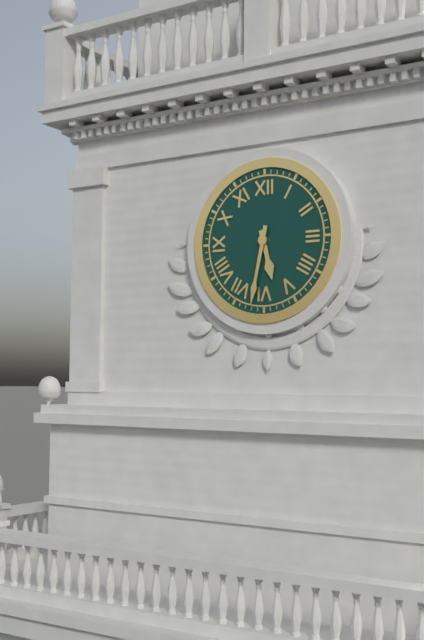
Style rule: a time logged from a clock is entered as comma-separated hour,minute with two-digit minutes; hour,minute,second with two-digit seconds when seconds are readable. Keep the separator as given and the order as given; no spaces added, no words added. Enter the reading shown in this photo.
5,32
